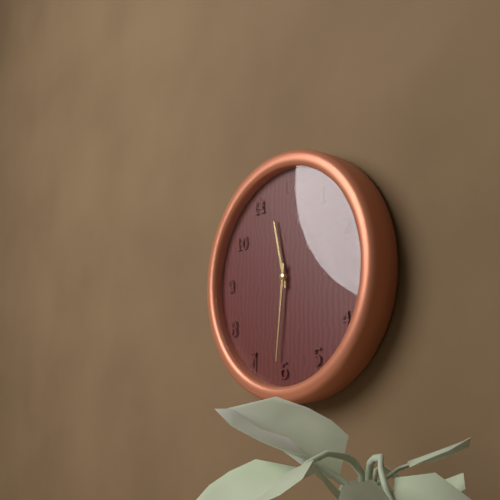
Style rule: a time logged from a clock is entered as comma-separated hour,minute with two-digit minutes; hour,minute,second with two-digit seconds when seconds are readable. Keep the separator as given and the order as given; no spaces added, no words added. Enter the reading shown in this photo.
11,31
